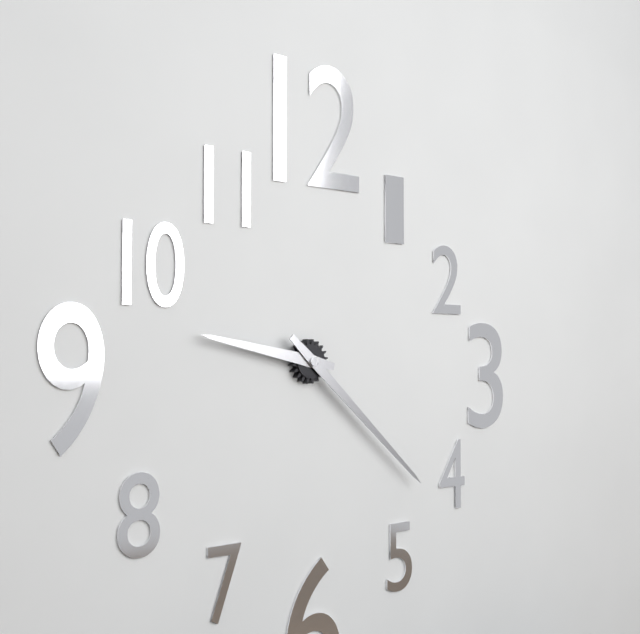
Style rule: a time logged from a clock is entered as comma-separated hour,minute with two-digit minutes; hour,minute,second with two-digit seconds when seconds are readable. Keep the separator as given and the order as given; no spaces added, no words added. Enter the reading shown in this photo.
9,22
